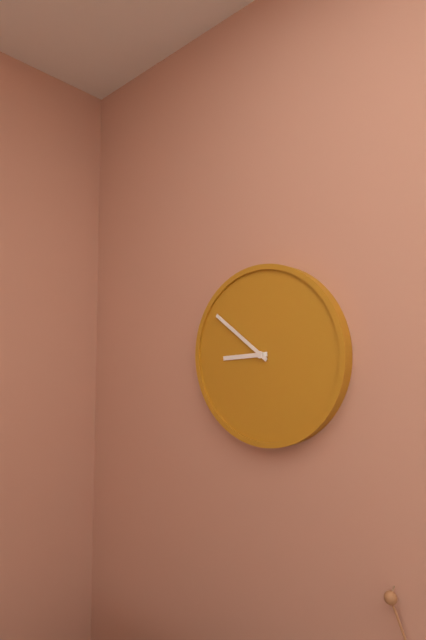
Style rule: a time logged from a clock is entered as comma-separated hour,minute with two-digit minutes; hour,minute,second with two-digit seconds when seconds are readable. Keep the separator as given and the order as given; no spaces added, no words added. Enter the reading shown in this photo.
8,51
